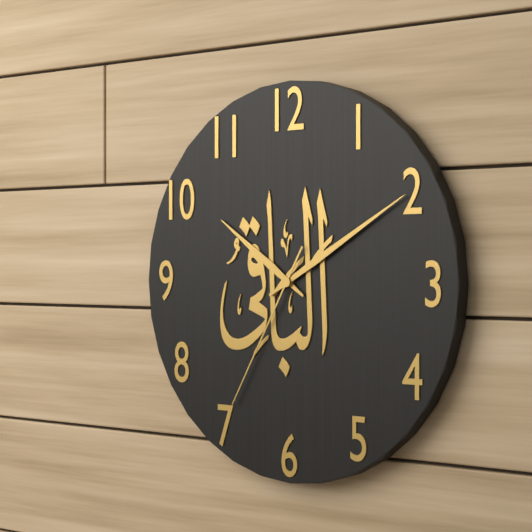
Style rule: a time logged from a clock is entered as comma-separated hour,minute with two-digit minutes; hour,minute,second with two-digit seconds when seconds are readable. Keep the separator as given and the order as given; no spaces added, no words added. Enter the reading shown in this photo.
10,10,35
